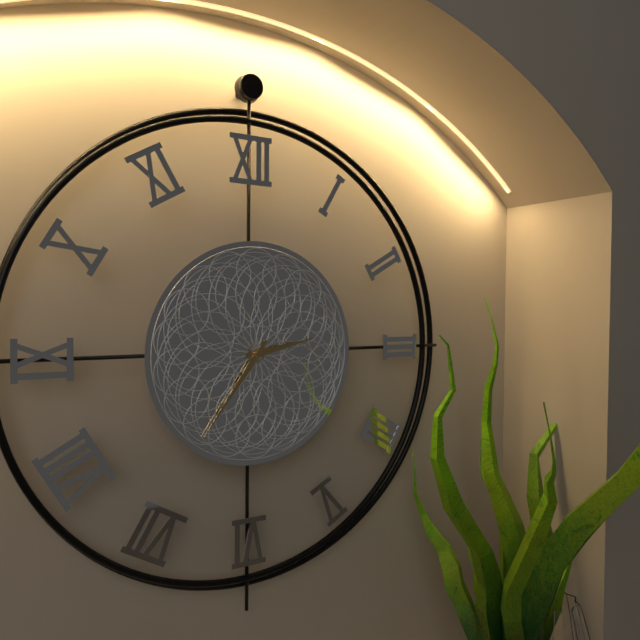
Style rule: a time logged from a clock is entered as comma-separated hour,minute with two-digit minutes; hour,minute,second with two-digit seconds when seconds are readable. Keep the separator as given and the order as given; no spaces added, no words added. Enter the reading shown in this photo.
2,36
